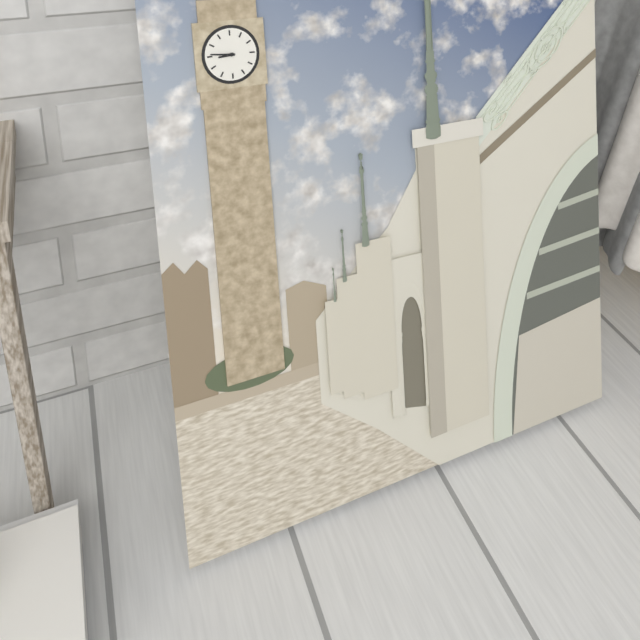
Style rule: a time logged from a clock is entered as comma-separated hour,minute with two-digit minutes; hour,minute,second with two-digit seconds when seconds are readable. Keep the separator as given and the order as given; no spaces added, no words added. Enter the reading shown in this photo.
8,46
